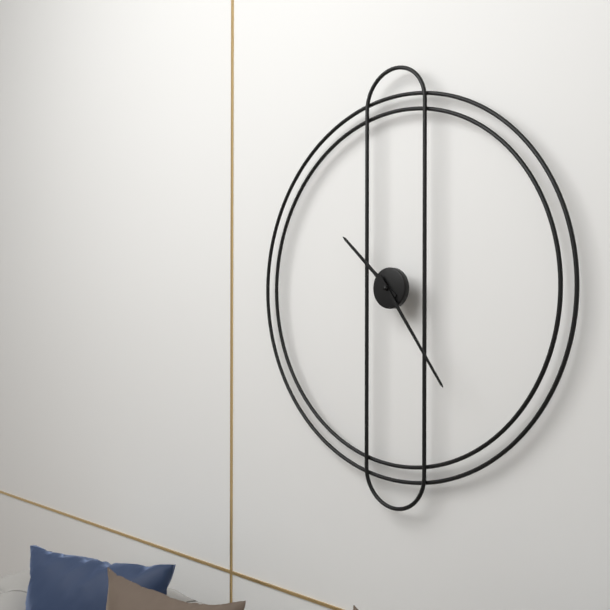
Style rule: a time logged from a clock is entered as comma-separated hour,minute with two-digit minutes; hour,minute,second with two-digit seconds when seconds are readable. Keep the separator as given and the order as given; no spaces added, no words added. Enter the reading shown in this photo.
10,24
